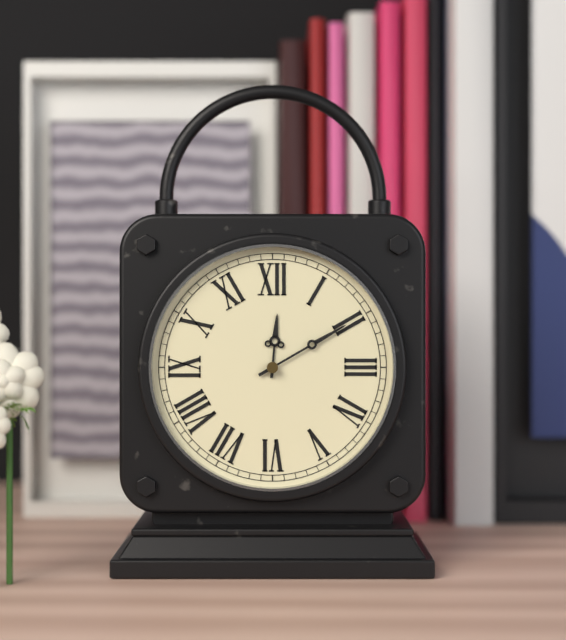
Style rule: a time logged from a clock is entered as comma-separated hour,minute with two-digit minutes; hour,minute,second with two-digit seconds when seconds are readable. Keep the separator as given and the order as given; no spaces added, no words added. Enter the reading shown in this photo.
12,10
